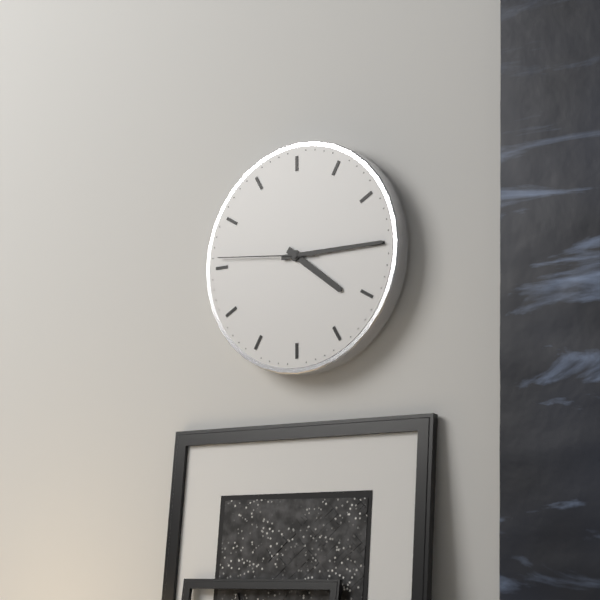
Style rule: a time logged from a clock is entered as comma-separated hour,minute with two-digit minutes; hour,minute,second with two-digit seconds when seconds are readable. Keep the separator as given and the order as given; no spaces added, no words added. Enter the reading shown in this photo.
4,15,46
